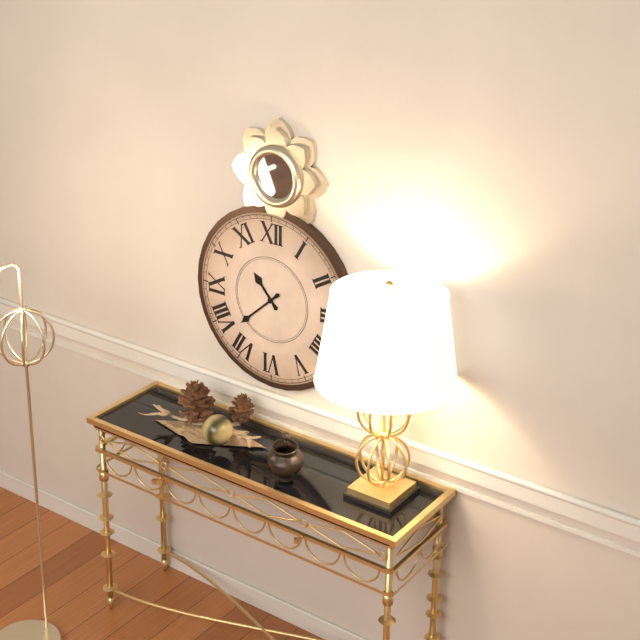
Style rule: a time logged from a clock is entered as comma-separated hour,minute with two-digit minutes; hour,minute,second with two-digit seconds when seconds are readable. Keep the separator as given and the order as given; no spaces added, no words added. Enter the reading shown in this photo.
10,38
